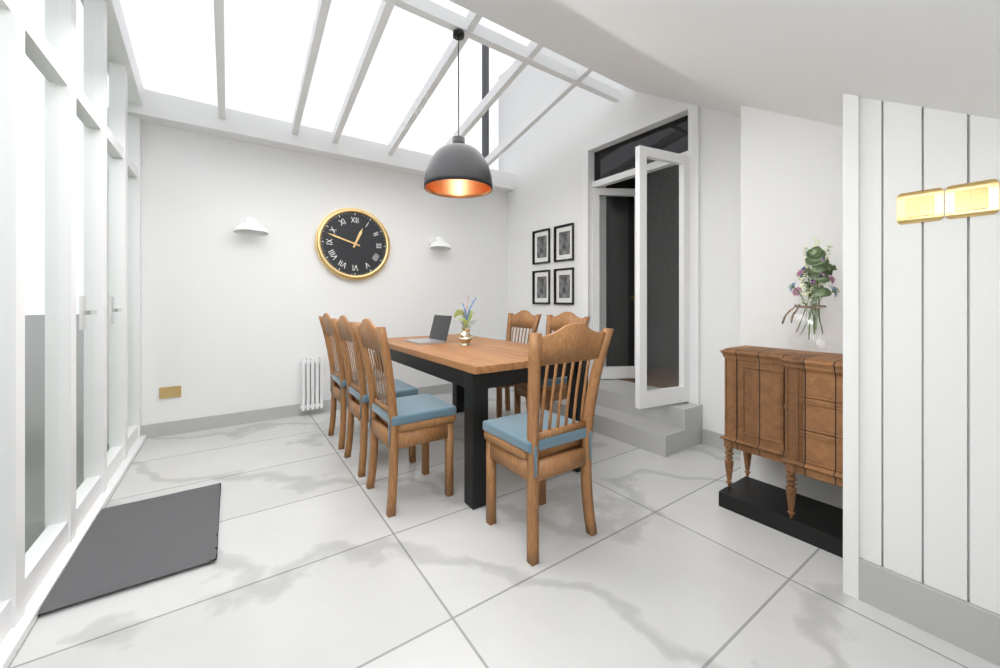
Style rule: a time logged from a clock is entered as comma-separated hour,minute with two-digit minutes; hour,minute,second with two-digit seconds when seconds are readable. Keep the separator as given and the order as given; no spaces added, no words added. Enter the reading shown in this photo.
12,48
